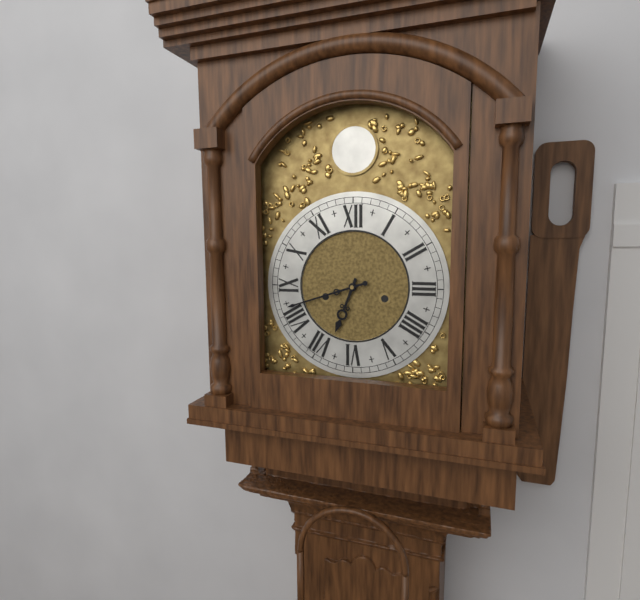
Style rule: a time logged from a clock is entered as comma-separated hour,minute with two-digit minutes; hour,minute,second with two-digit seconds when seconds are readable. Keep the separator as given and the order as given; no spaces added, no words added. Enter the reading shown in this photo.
6,42
